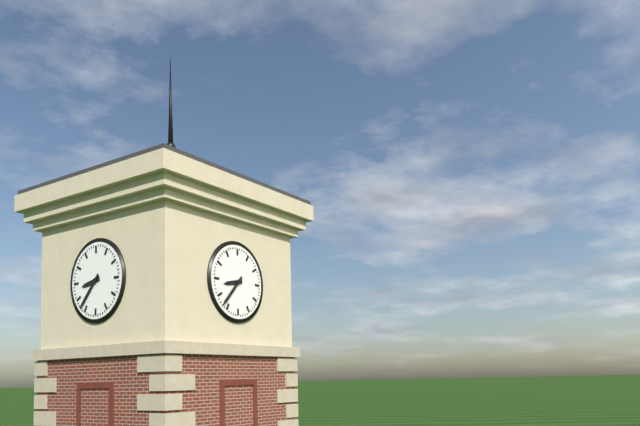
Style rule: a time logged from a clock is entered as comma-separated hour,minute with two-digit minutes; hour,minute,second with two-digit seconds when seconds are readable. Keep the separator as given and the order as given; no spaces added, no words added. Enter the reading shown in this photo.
8,37
